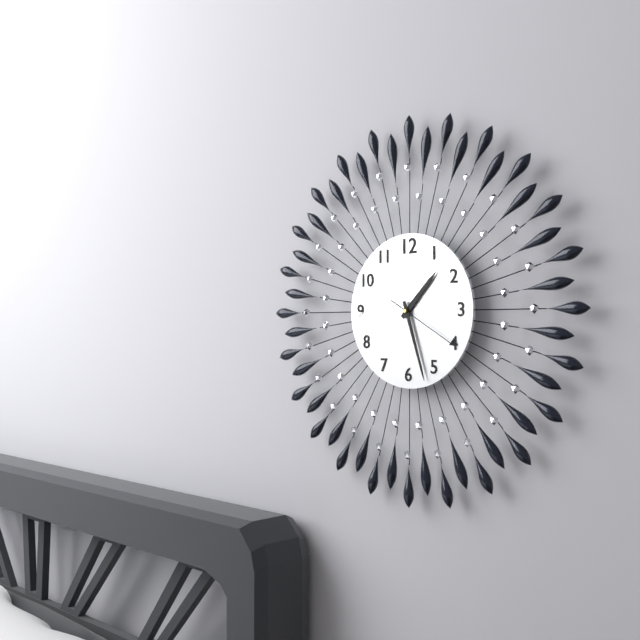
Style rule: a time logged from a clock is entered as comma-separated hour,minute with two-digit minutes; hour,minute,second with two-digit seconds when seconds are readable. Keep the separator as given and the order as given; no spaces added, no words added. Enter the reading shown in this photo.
1,27,20
